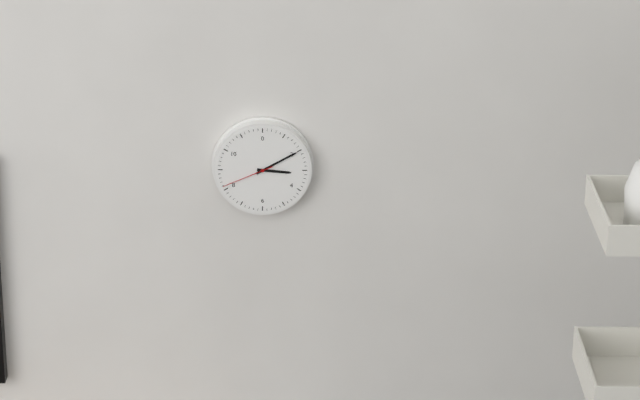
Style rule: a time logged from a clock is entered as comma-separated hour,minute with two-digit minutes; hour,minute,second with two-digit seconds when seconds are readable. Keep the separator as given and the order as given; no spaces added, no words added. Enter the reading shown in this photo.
3,10,41
